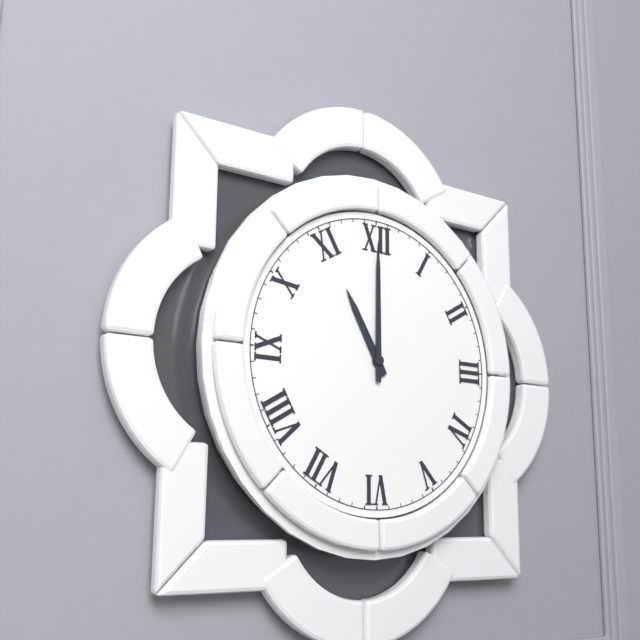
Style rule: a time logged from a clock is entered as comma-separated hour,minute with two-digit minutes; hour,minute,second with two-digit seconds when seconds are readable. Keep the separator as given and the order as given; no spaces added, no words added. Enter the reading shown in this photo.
11,00
